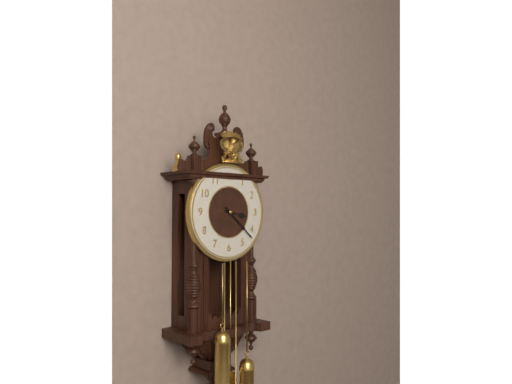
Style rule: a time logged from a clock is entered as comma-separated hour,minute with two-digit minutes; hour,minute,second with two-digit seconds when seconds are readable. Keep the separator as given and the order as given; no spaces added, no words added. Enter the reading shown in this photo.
3,22
